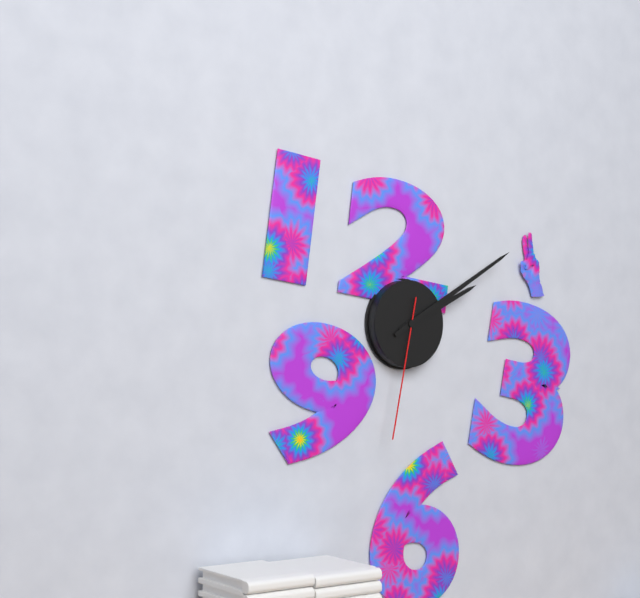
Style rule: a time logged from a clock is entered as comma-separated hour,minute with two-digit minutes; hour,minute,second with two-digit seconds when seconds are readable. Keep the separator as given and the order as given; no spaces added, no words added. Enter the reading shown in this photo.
2,10,32
